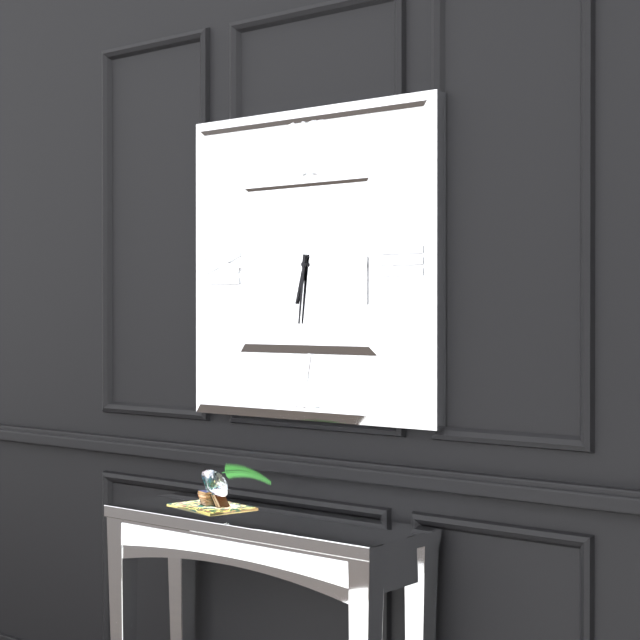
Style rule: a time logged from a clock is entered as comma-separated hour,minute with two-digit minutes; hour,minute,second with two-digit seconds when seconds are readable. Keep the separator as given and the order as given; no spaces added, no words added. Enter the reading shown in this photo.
6,31
